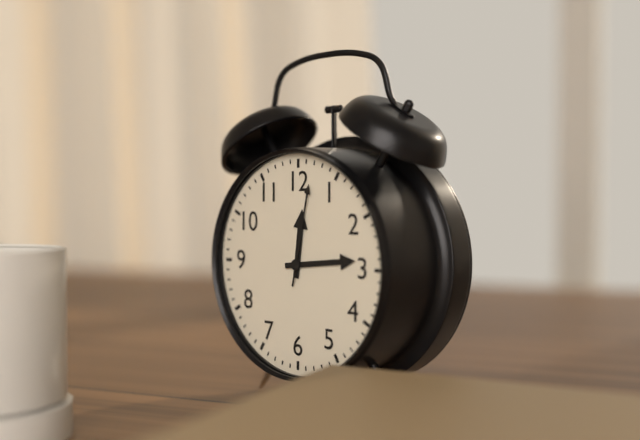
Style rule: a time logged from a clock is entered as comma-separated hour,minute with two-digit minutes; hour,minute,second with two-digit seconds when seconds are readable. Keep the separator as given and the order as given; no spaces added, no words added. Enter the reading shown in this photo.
12,14,02
